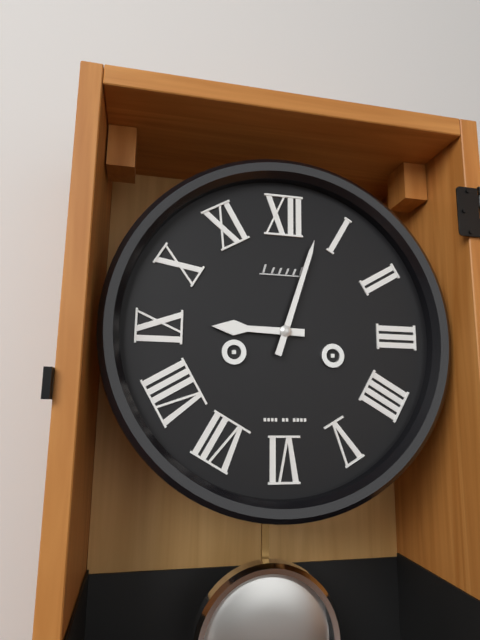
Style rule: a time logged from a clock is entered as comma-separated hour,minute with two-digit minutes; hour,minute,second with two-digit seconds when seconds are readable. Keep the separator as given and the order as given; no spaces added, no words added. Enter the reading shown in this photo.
9,03
